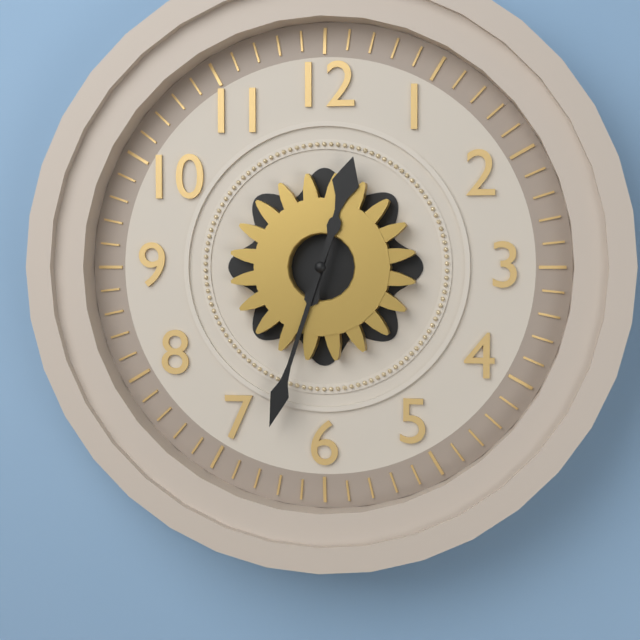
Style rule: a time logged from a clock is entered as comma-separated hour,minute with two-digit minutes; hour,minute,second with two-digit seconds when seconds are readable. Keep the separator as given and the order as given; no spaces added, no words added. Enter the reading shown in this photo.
12,33
